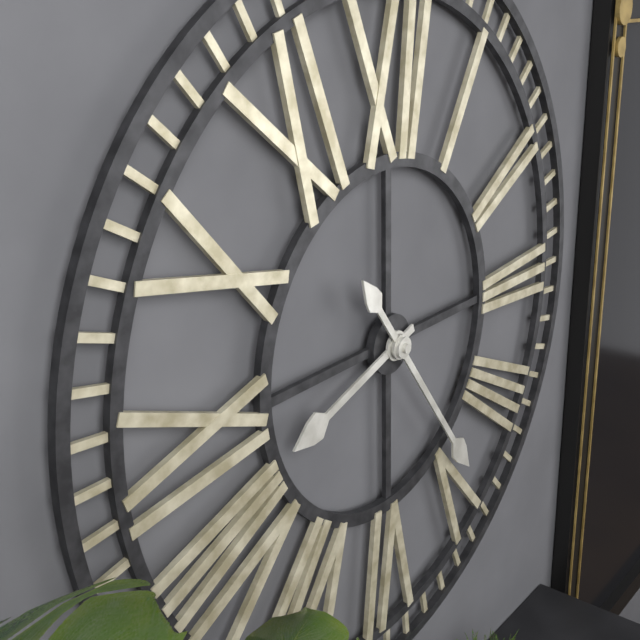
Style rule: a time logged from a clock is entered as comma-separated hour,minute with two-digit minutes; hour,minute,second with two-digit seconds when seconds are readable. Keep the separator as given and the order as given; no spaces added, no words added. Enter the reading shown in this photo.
8,24
